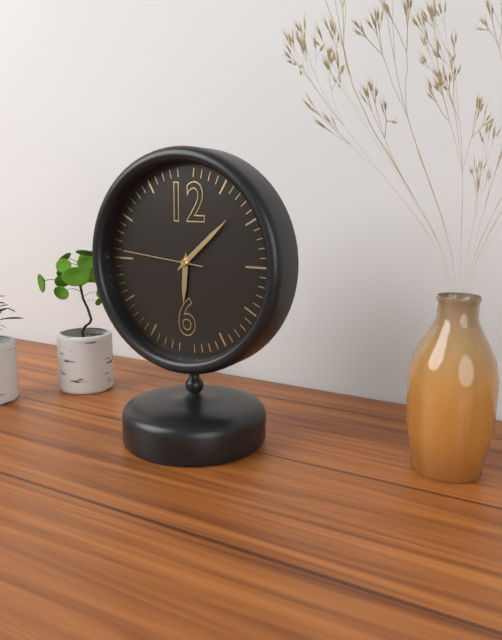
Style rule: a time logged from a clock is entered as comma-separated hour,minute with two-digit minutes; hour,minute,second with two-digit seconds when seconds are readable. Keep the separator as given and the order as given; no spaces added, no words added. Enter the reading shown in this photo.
6,08,46
